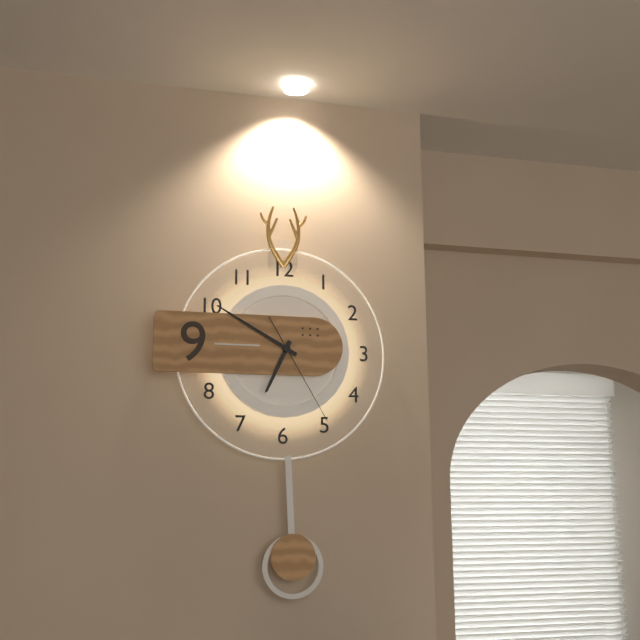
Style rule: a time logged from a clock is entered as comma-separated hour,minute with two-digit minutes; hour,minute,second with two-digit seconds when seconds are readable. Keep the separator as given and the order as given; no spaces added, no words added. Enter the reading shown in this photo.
6,50,25
